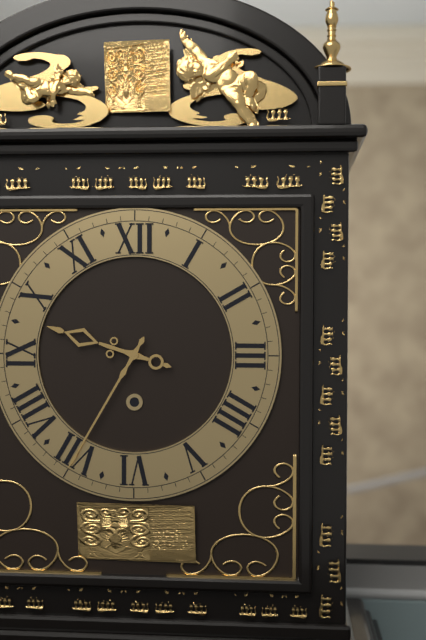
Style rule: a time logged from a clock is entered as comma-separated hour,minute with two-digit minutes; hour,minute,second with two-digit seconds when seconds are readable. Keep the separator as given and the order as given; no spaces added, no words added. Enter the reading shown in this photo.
9,35
